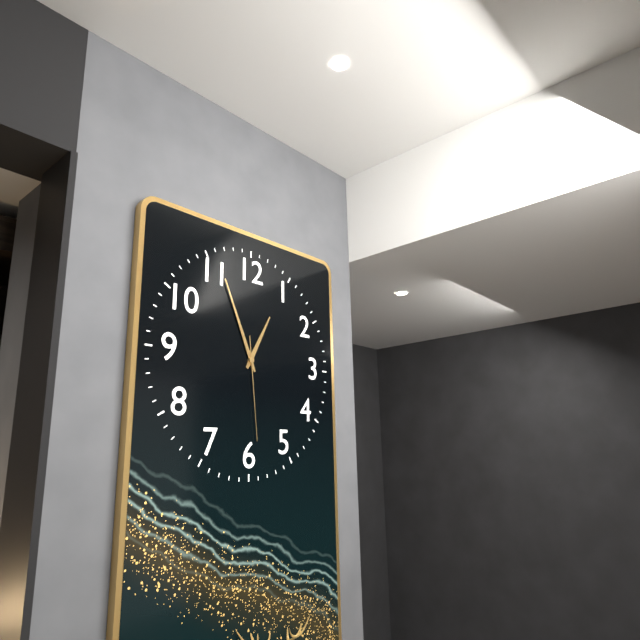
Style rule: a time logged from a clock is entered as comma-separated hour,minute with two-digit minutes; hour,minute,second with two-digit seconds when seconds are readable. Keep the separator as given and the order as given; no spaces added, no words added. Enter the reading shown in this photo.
12,56,29
